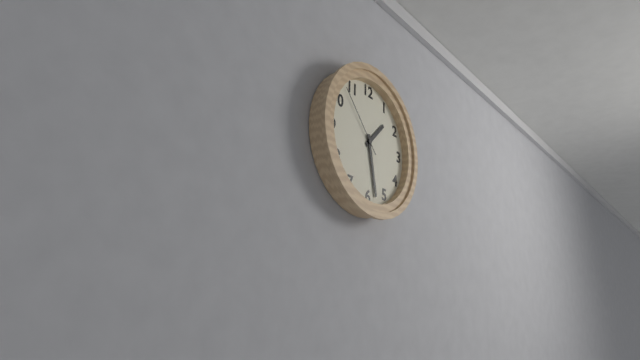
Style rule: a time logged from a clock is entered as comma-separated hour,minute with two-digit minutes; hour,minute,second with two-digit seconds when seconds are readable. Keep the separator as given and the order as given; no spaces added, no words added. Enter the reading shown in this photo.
1,28,53
